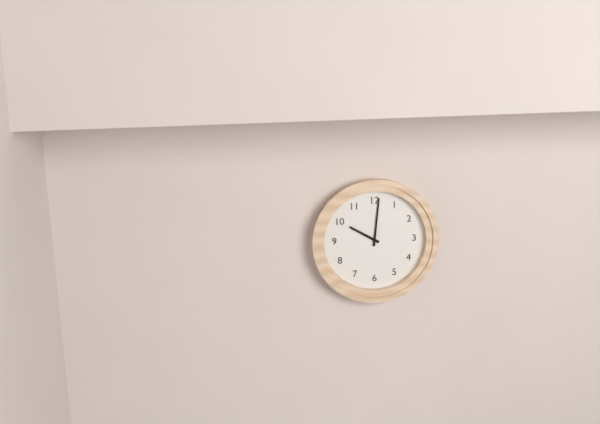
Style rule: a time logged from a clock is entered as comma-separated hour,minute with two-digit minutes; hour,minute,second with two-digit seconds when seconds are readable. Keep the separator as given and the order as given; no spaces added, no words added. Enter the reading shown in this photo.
10,01
